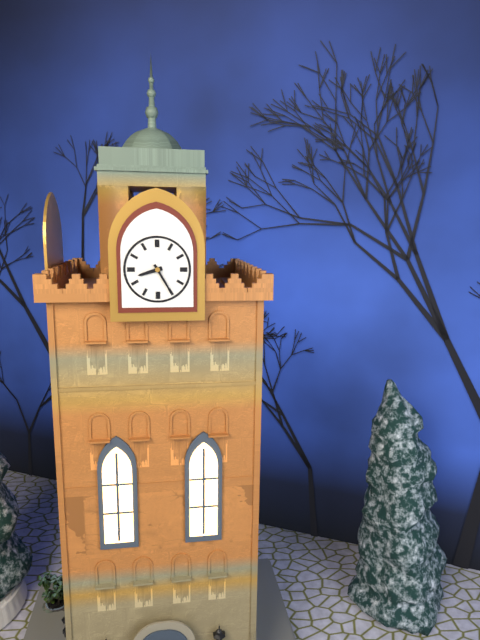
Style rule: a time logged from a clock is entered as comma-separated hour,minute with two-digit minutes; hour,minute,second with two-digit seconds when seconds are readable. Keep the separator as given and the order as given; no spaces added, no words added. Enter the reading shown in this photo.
8,25
